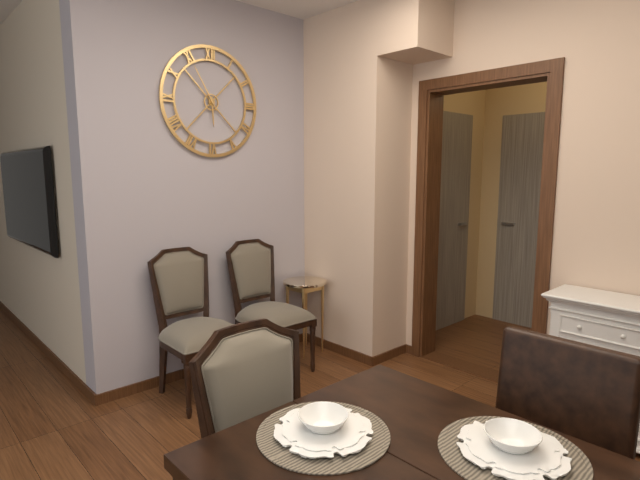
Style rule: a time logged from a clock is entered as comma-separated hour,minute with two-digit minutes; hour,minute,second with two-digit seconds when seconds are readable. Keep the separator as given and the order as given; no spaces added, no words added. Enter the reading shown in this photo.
5,55
